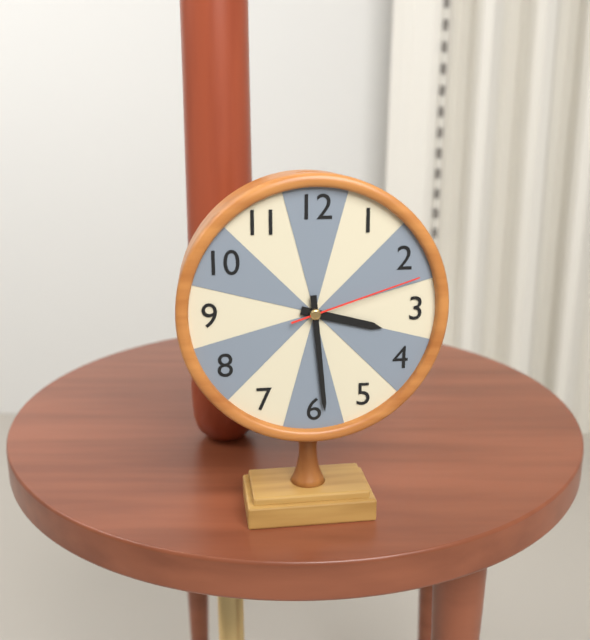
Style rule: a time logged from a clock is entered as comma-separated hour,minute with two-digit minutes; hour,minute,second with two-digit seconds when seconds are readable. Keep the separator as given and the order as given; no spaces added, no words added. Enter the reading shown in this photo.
3,29,12
